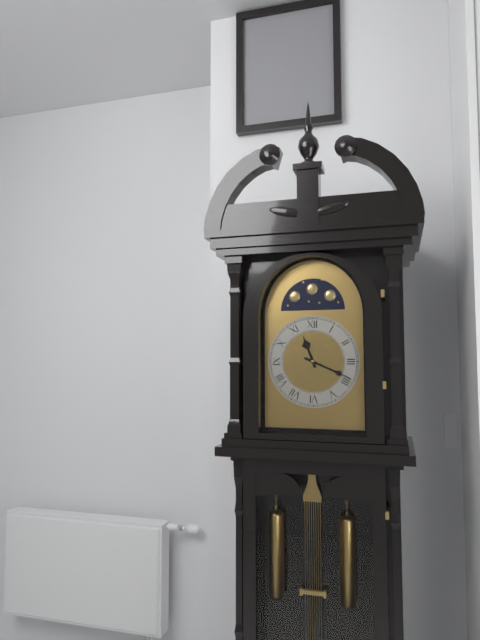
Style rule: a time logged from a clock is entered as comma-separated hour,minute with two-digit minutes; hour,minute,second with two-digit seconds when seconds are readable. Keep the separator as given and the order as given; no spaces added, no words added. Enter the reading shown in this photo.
11,19
